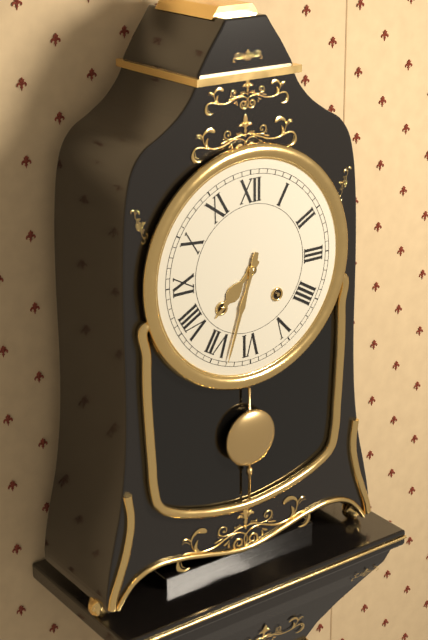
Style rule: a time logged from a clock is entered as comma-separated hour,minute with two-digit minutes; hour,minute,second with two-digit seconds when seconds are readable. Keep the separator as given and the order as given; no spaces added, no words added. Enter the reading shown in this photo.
7,33
